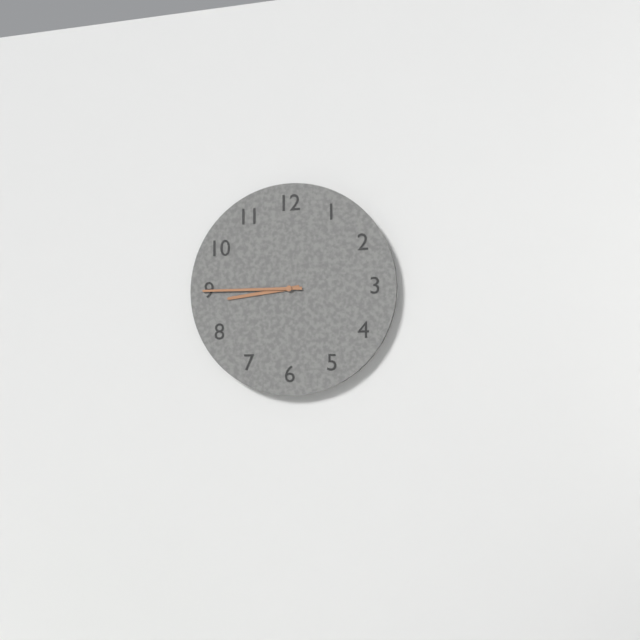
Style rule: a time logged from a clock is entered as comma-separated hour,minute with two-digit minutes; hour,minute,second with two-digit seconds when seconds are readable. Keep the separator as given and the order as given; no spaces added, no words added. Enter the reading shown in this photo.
8,45
